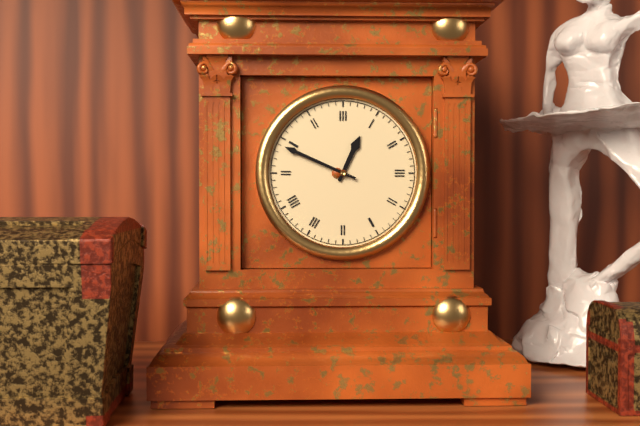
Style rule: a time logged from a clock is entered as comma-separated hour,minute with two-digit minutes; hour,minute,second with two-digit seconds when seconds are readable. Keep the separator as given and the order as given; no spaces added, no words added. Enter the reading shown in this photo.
12,49
